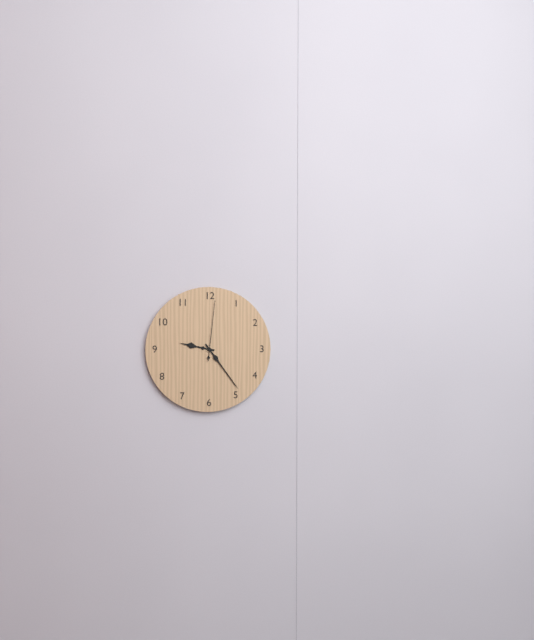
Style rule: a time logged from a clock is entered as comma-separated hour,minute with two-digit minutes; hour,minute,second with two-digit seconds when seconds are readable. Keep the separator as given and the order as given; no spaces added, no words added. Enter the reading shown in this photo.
9,24,01
